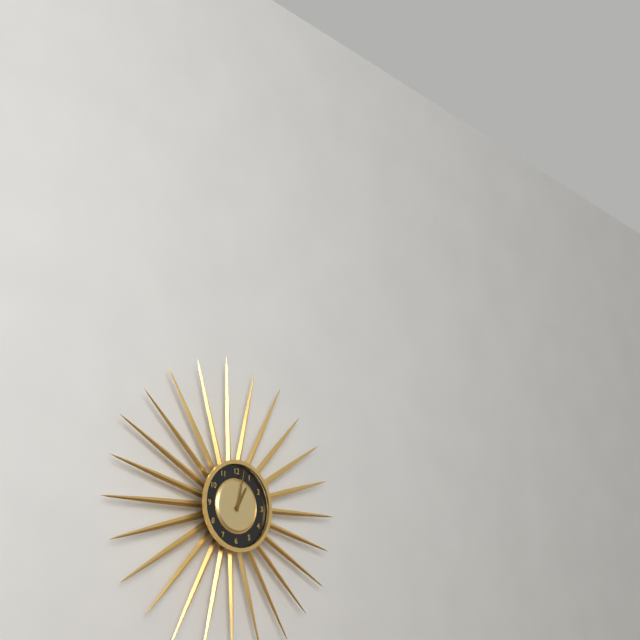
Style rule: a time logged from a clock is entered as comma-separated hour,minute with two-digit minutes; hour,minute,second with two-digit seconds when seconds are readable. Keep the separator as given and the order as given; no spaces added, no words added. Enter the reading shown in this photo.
1,02
